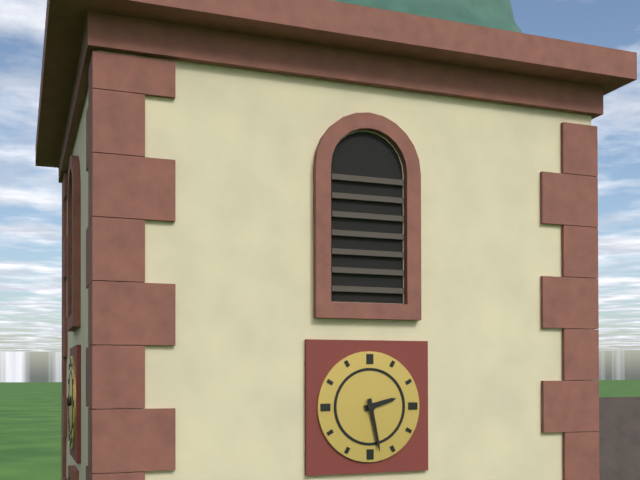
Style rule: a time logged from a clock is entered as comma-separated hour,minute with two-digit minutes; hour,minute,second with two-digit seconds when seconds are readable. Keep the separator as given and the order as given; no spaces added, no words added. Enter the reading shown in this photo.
2,28
